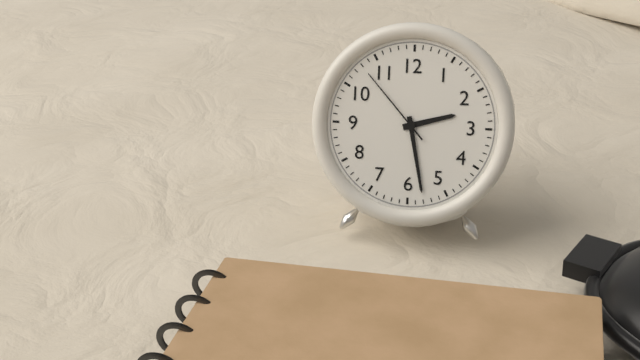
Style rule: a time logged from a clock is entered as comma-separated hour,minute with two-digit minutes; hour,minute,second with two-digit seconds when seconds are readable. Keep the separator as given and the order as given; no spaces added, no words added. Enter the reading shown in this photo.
2,28,53
